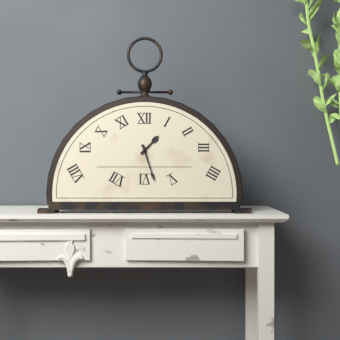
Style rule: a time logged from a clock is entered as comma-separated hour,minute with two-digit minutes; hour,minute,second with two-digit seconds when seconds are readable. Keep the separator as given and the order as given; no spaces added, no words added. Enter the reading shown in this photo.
1,27
